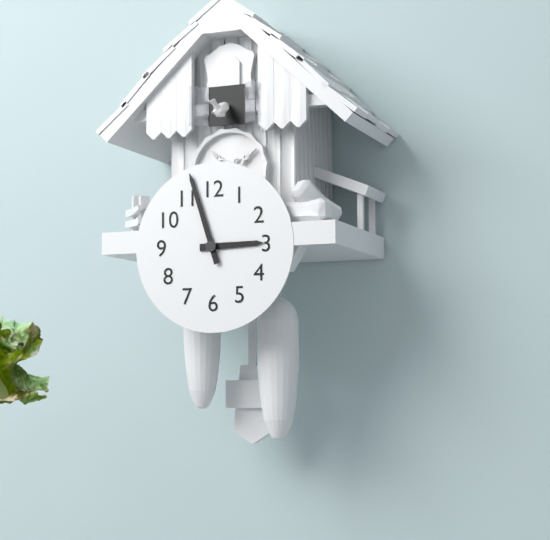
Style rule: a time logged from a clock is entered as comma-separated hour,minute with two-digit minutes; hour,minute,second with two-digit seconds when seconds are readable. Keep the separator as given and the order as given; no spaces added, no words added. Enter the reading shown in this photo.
2,57
